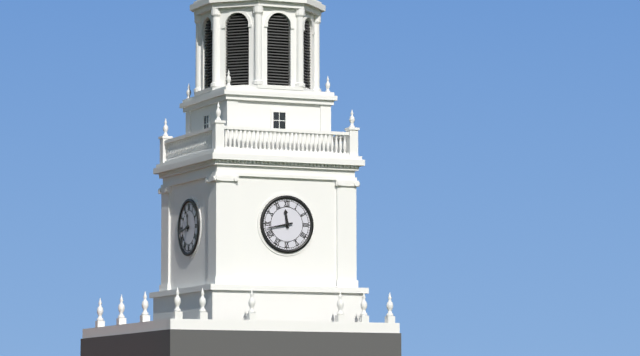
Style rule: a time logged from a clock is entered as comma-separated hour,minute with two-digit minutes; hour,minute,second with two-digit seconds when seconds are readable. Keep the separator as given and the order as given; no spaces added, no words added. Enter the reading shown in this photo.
11,43
